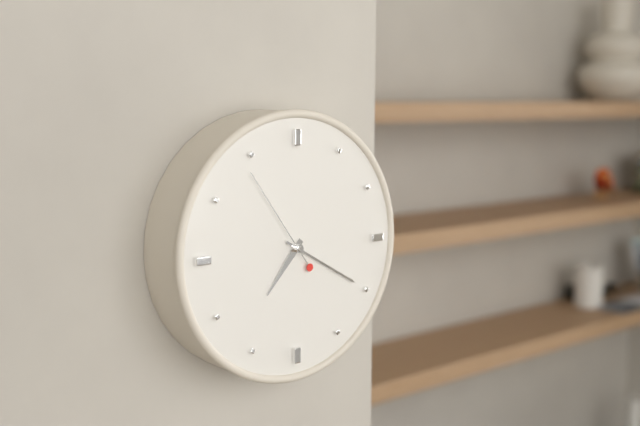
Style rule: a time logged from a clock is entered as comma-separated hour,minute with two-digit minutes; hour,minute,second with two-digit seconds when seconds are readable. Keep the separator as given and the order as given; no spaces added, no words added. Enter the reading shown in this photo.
7,20,54
